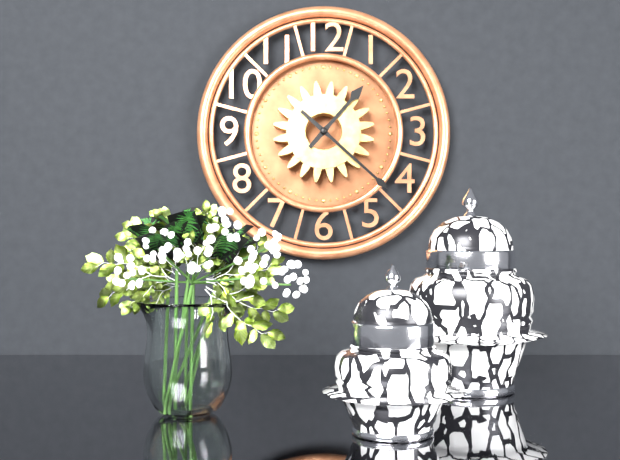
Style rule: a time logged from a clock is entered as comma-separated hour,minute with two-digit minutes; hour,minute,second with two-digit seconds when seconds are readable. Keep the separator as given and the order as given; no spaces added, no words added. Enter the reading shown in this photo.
1,22
